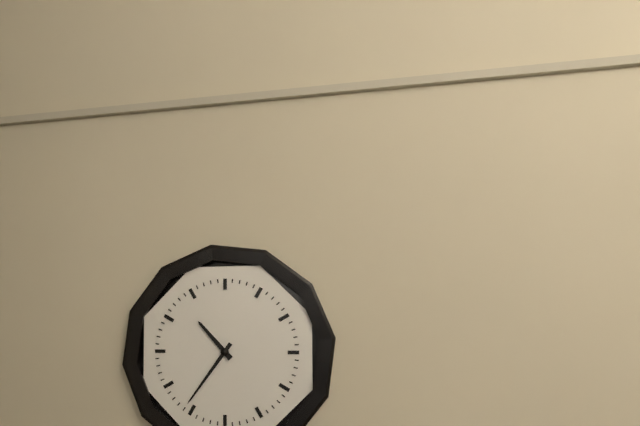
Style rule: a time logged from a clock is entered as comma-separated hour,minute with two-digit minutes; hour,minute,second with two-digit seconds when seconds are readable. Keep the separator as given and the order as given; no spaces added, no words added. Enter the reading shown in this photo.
10,36
